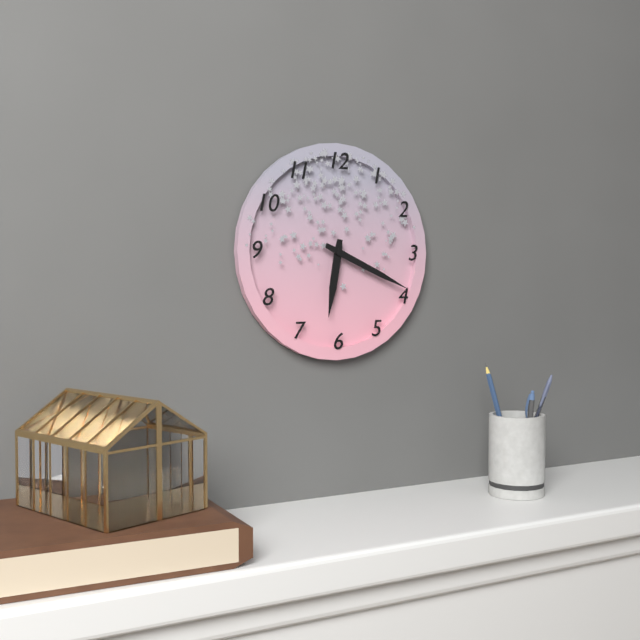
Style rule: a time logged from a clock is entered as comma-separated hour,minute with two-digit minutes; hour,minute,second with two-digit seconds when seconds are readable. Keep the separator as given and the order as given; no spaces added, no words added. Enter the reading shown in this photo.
6,19
